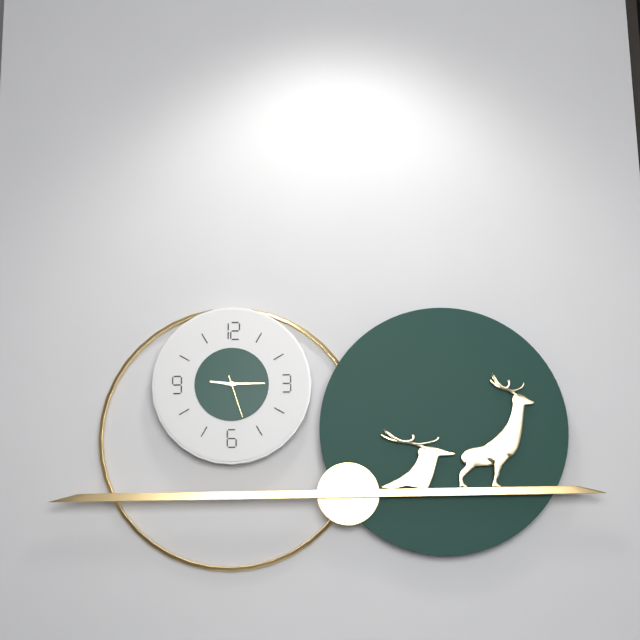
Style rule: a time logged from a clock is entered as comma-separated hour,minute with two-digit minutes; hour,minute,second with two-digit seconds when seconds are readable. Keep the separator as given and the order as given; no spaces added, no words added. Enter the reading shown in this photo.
9,15
